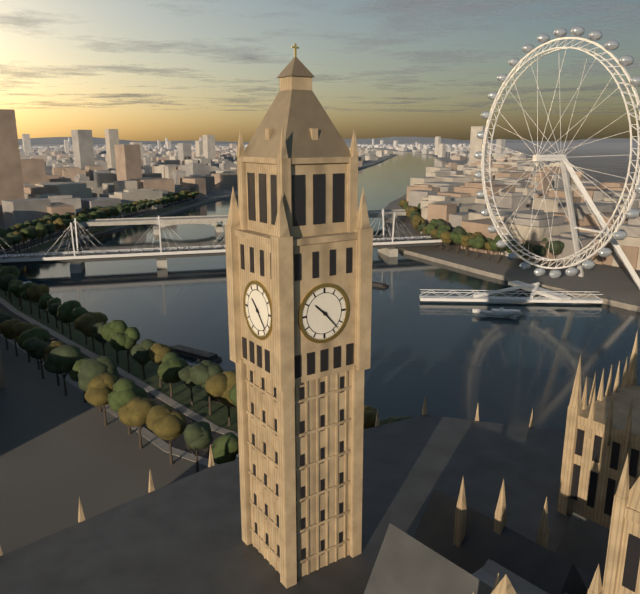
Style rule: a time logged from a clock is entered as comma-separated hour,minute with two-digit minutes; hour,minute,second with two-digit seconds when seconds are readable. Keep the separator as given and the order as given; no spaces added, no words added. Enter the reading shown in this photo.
10,23
